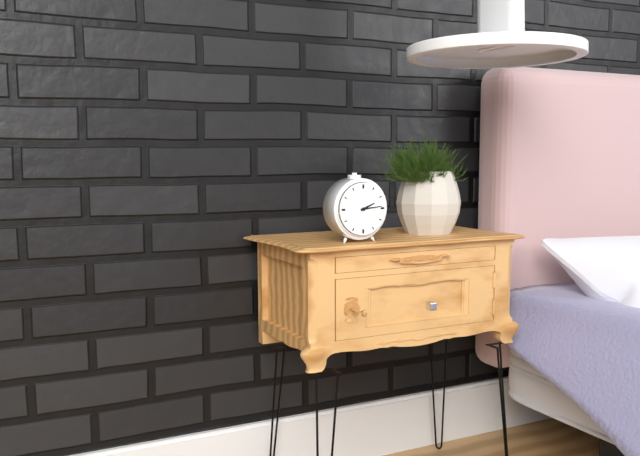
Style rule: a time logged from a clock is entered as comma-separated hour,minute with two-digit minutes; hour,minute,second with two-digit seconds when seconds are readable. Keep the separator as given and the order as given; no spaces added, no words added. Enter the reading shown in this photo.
2,14
